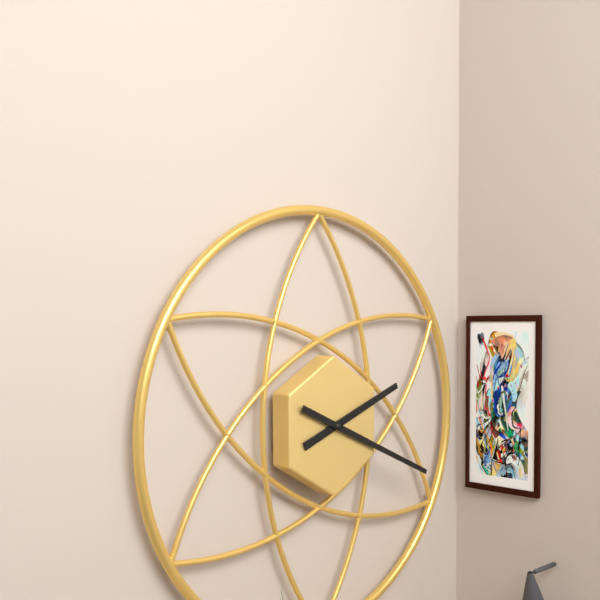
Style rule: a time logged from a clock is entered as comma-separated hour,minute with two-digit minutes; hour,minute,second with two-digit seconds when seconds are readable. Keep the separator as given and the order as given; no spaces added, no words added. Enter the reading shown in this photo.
2,19
